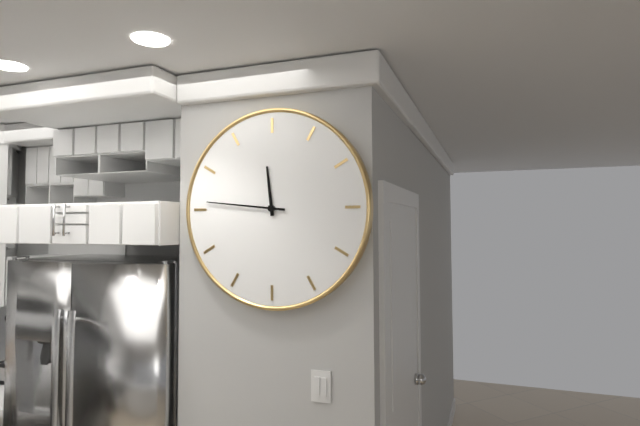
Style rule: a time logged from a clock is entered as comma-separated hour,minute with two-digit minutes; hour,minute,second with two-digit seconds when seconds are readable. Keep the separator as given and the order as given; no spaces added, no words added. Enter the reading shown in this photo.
11,46
